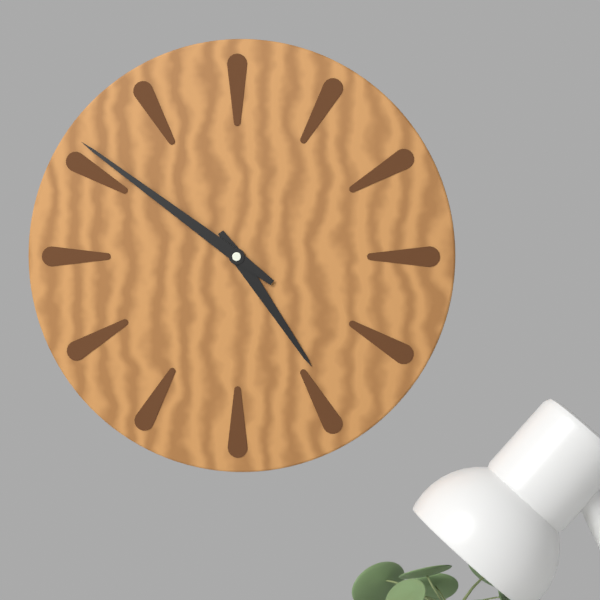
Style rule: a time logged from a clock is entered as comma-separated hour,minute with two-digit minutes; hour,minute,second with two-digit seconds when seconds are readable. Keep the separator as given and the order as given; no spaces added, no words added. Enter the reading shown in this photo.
4,51
